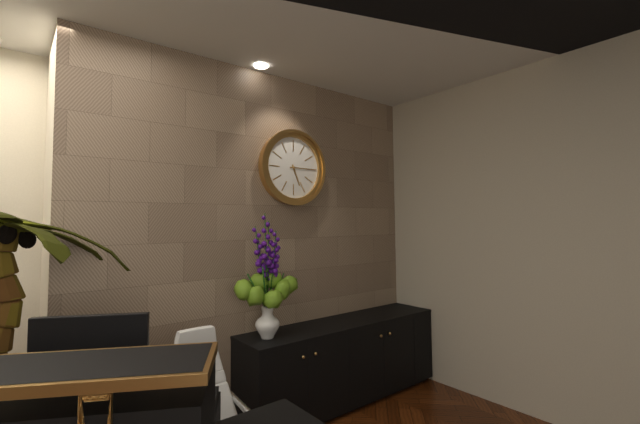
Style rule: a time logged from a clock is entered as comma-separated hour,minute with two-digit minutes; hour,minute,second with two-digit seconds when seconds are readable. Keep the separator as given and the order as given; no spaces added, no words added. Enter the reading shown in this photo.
5,15
